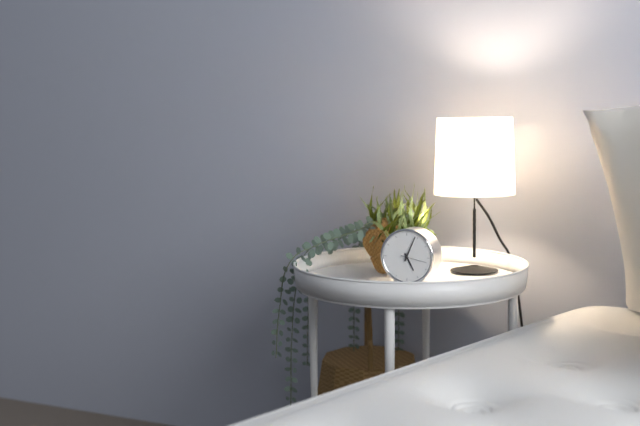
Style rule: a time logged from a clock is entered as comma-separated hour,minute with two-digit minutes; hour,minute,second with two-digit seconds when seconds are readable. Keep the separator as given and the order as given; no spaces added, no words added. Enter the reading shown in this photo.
5,04
